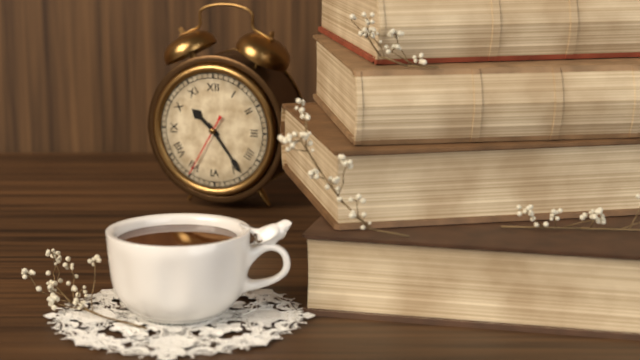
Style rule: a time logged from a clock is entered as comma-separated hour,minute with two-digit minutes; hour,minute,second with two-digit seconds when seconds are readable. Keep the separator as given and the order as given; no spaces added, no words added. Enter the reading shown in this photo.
10,24,35
